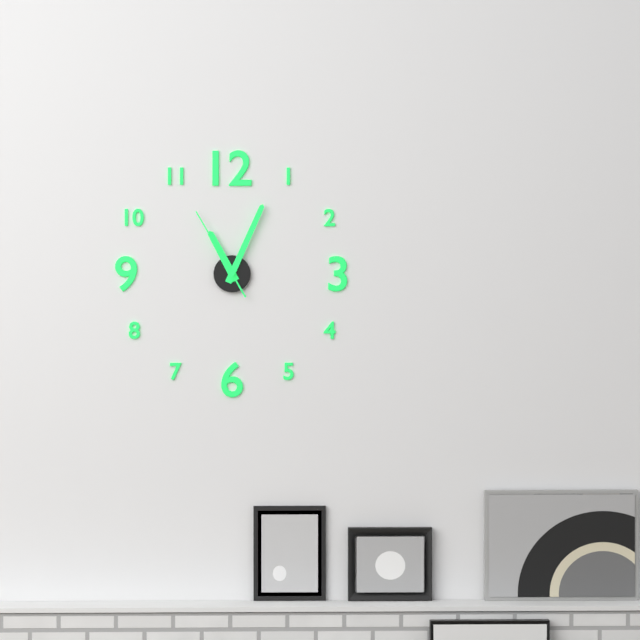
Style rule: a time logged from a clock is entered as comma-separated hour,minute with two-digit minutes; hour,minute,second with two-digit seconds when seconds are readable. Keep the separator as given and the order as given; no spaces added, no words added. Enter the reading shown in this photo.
11,04,55
